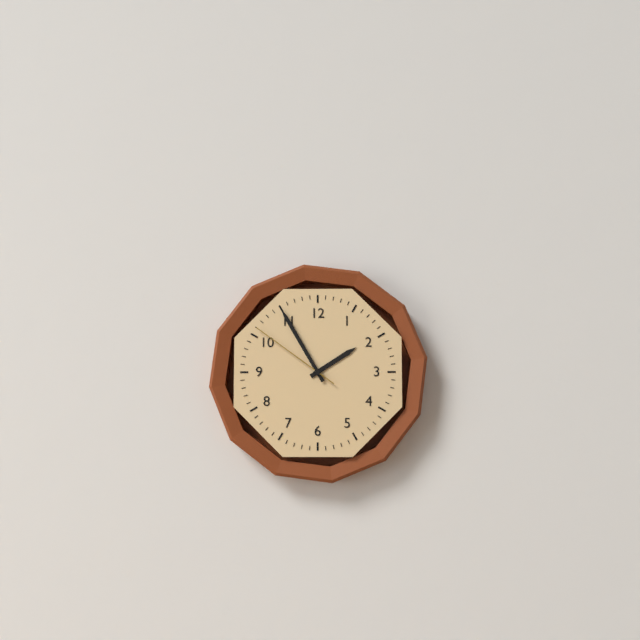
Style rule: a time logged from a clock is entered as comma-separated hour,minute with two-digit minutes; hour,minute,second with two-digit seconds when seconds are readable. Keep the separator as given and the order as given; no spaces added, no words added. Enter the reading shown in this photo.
1,55,51
